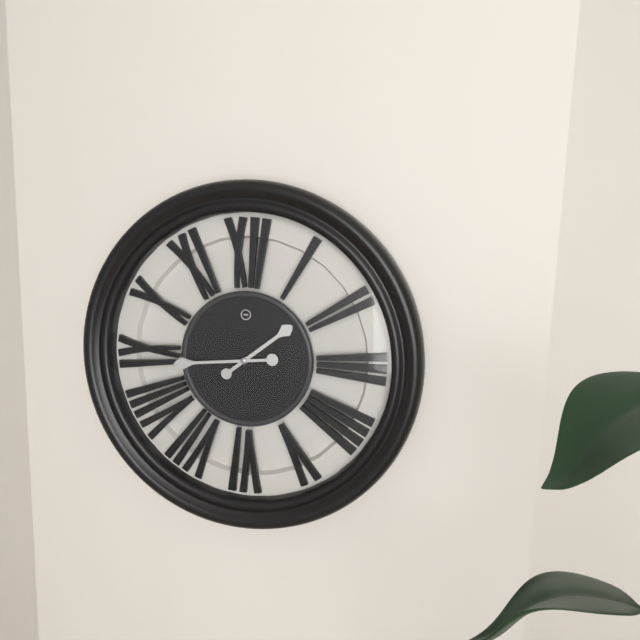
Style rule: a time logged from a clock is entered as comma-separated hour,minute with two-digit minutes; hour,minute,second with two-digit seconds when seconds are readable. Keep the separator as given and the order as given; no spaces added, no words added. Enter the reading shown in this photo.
1,44
